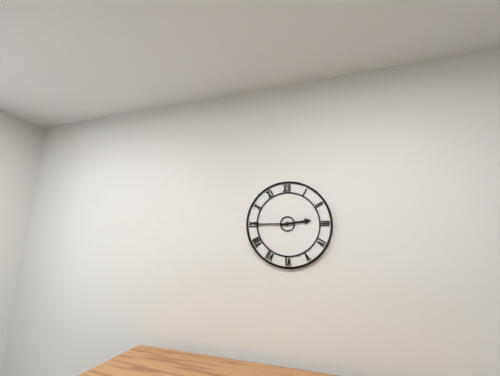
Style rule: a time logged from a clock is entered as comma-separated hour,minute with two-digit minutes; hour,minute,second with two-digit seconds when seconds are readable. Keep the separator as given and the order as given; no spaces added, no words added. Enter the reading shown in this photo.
2,45
